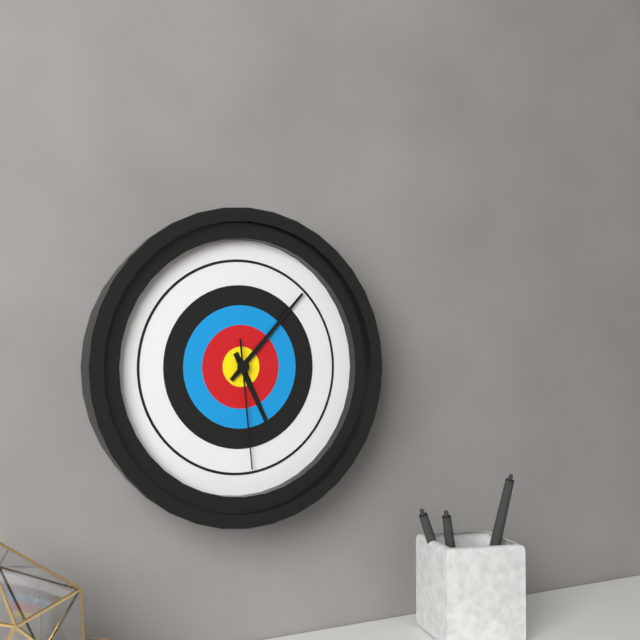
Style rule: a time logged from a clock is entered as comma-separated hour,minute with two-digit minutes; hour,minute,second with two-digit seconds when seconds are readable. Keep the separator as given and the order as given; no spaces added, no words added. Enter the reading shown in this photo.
5,07,29
